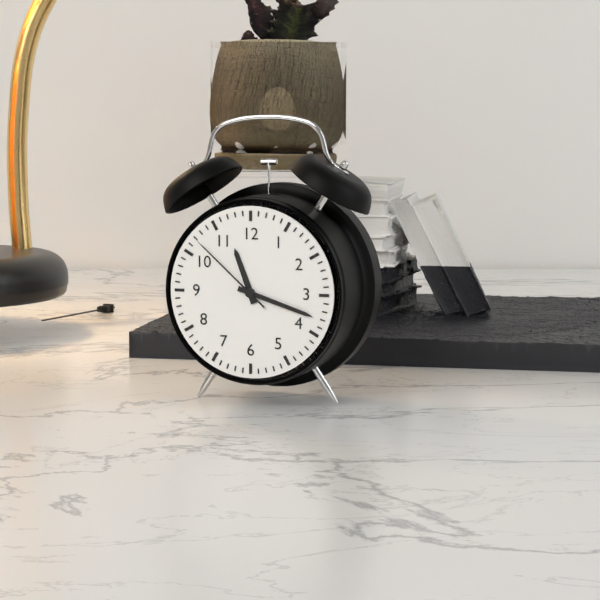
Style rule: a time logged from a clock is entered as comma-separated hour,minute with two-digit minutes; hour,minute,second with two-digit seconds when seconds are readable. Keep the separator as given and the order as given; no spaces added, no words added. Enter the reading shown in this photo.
11,18,52
